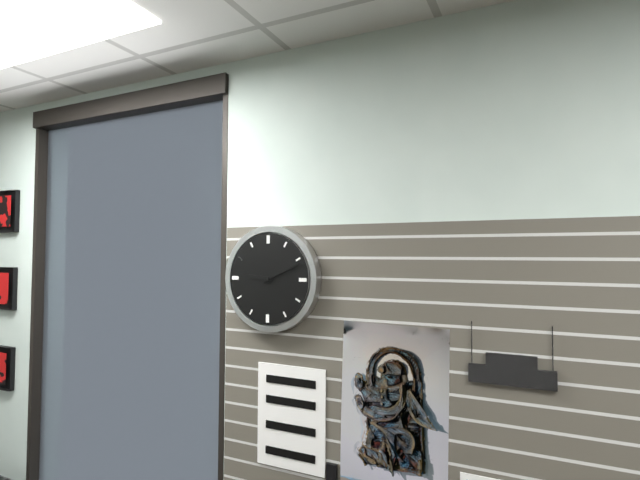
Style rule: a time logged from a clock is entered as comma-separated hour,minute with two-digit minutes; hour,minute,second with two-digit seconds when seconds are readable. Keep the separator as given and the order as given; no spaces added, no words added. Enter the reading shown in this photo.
9,11
